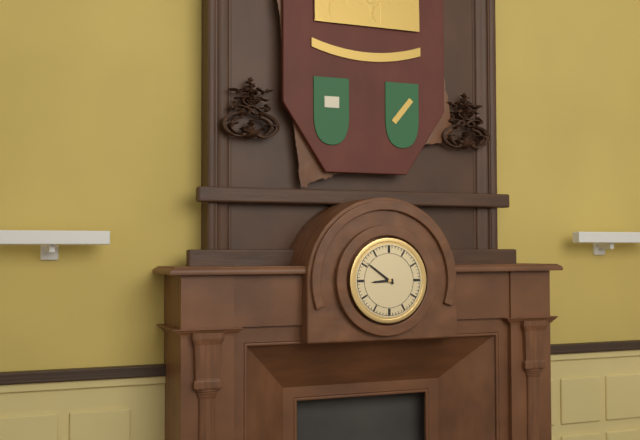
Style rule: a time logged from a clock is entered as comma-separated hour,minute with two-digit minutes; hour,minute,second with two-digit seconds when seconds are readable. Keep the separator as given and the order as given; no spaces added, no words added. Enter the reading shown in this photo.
8,51
